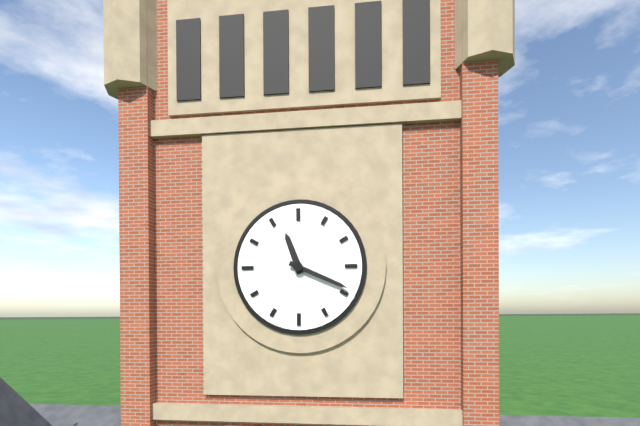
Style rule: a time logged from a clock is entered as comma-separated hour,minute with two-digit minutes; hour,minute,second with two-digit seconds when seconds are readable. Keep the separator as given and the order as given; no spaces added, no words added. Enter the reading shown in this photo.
11,19
